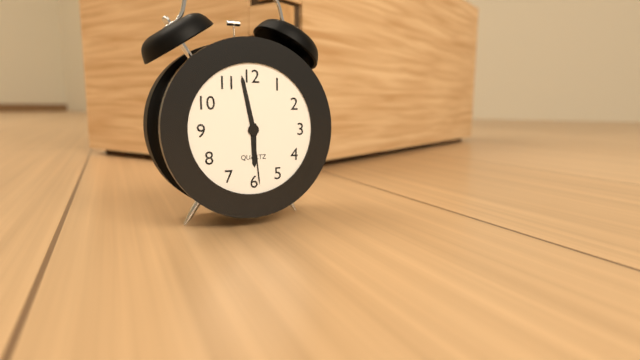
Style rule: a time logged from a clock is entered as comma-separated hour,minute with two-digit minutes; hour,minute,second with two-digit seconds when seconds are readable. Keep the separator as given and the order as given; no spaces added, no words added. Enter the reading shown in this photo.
5,58,29
